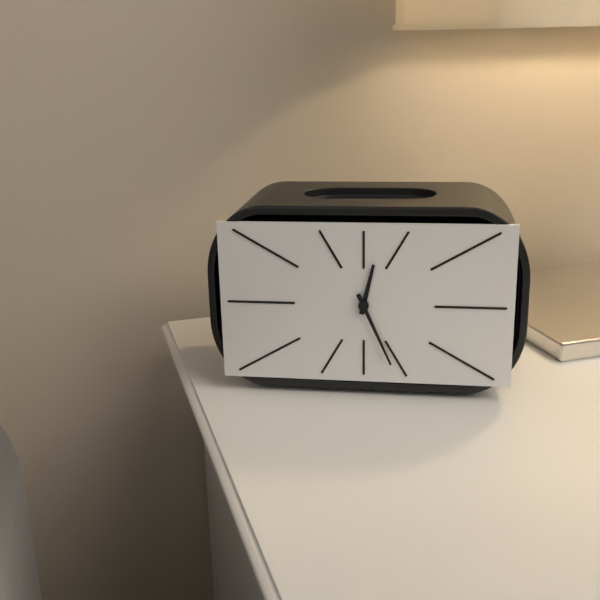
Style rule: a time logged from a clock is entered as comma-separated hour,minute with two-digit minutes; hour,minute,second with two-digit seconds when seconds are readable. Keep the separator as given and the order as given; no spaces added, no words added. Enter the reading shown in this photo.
12,26
